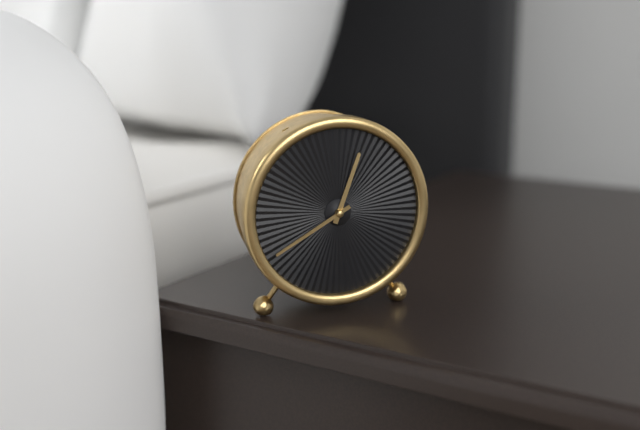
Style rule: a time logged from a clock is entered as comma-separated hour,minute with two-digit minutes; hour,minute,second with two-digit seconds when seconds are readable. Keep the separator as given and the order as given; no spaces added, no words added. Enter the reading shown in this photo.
12,40
